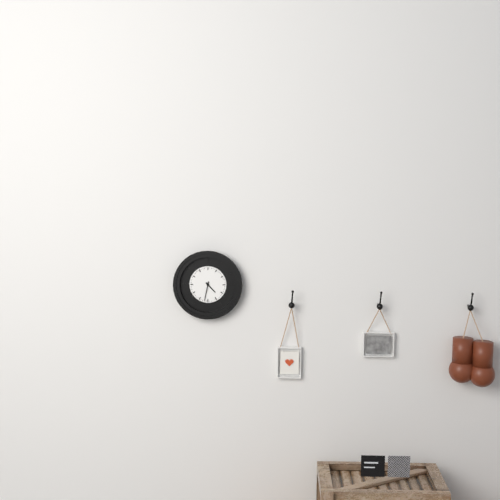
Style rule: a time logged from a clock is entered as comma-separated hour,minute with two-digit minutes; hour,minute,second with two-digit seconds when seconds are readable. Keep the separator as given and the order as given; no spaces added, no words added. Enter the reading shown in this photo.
4,32
